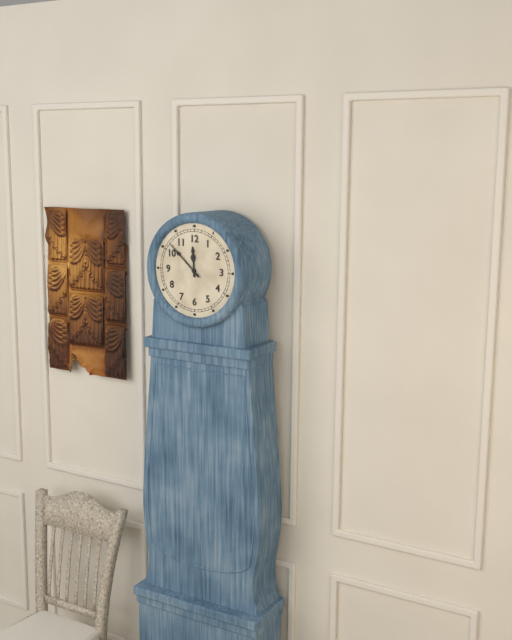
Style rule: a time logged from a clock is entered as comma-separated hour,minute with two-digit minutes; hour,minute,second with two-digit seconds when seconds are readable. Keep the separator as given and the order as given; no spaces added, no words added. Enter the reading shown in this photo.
11,52
